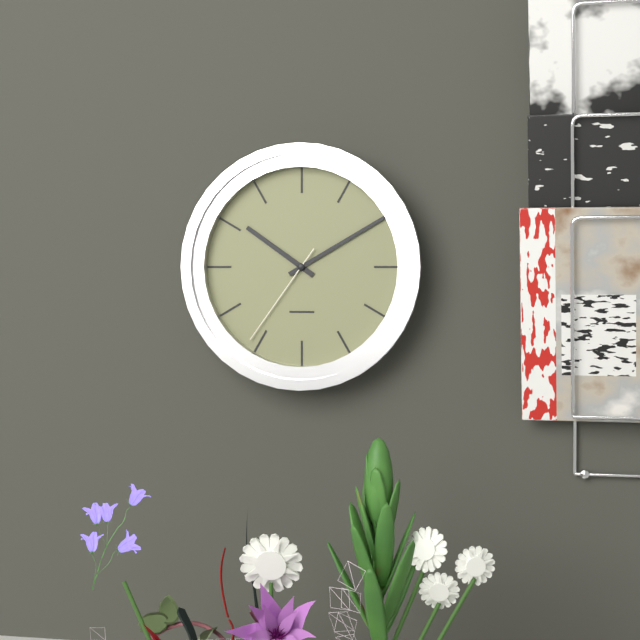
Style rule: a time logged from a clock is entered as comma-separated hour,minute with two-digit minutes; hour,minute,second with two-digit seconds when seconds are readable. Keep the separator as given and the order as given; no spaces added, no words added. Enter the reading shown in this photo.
10,10,36
